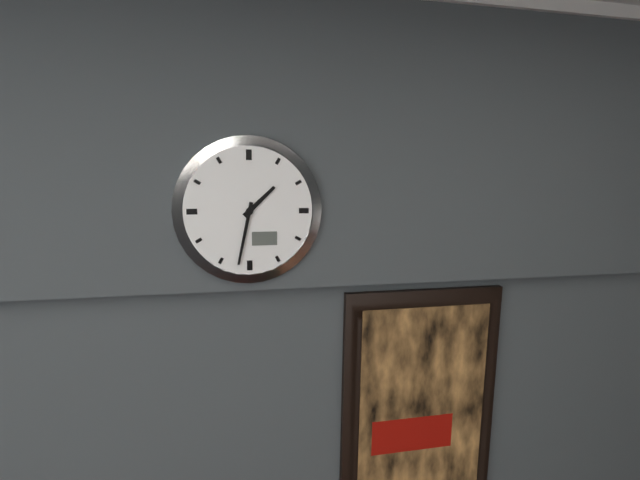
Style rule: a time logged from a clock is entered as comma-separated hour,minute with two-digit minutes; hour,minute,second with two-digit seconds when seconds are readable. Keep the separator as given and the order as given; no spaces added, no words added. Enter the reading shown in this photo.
1,32
